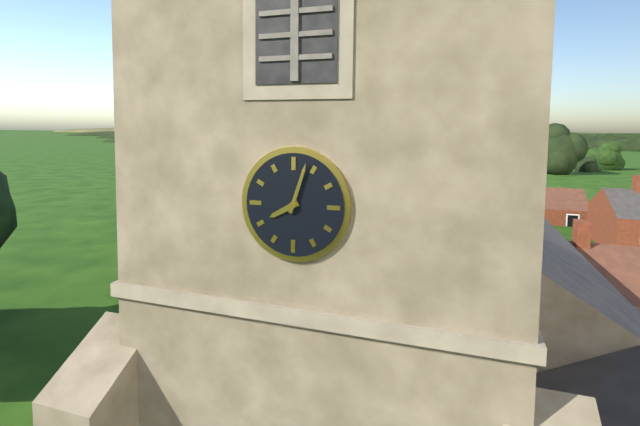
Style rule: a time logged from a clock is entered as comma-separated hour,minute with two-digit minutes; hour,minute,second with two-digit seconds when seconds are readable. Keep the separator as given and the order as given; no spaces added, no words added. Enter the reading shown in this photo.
8,03
